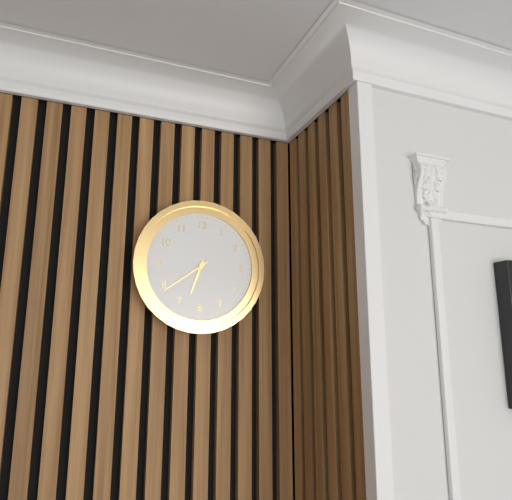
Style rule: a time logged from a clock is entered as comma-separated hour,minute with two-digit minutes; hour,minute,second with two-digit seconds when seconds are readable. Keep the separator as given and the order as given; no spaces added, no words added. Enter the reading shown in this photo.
6,39
